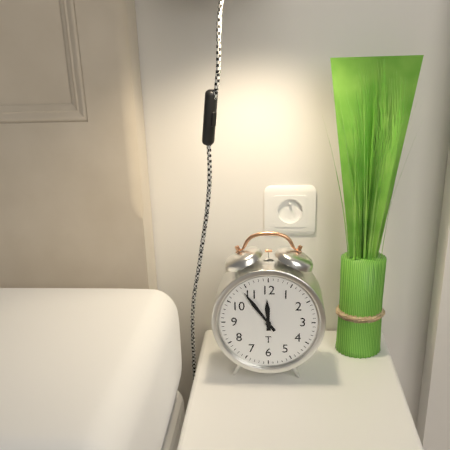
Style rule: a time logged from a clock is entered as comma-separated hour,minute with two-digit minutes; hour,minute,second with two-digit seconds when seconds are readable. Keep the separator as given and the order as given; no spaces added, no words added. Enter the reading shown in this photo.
11,54
